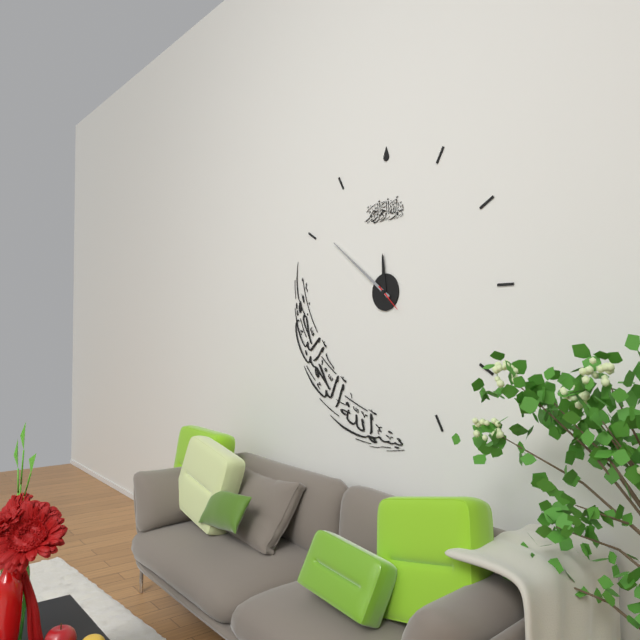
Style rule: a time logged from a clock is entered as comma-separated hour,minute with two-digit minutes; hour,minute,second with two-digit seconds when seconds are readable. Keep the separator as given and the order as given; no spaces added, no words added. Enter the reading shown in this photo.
11,51
